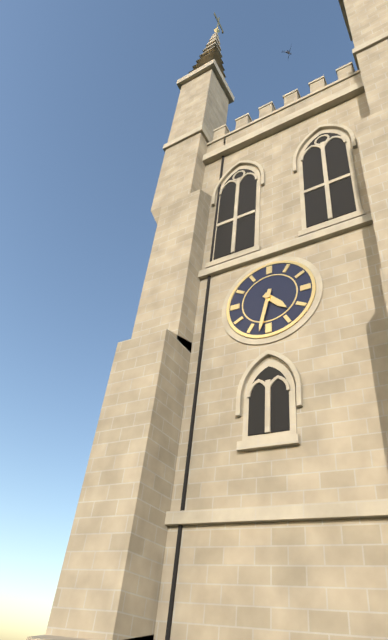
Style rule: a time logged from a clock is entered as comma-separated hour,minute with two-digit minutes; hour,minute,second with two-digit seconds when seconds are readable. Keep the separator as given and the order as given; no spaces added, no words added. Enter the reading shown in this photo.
4,32
